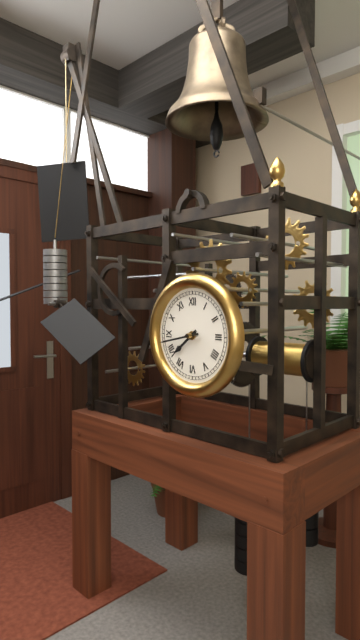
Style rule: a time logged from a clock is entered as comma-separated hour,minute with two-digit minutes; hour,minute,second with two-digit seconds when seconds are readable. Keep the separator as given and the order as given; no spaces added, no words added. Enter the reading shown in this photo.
7,43
